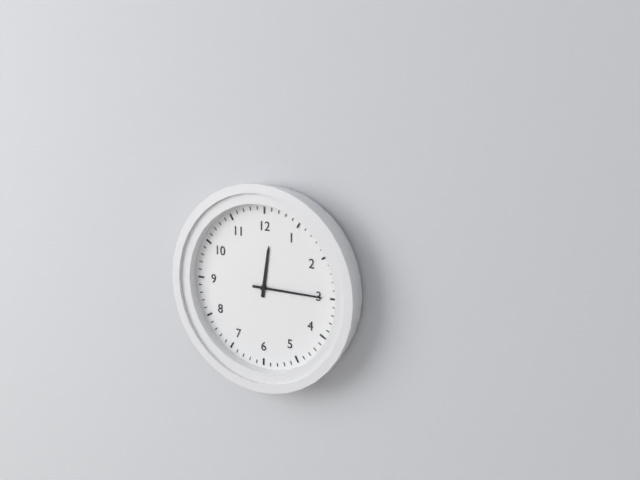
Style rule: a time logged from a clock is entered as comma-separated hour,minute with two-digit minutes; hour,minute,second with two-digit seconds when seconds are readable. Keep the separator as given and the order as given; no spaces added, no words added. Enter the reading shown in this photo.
12,15
